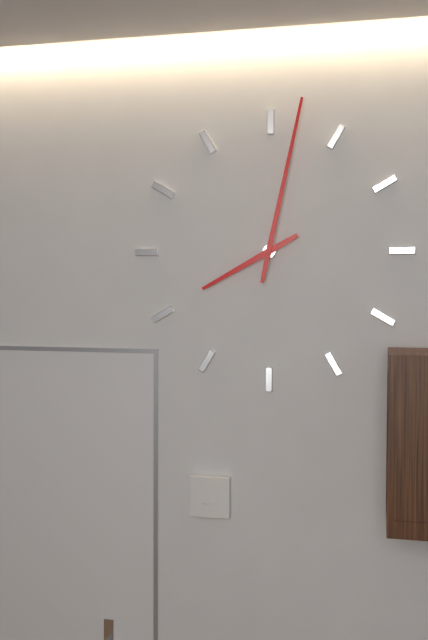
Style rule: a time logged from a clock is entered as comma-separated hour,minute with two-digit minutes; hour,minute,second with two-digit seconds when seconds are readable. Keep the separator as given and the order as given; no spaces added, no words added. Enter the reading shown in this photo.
8,02
